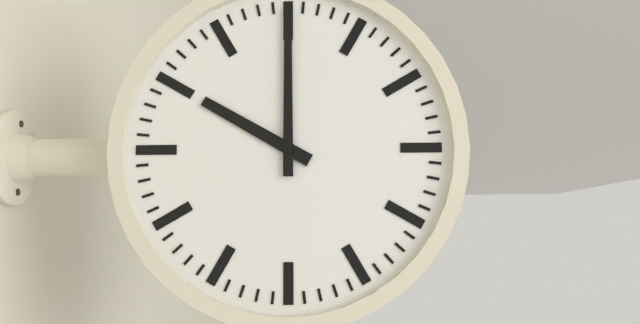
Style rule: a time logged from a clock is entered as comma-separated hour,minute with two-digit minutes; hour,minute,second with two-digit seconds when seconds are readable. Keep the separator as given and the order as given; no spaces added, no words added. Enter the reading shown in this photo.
10,00
